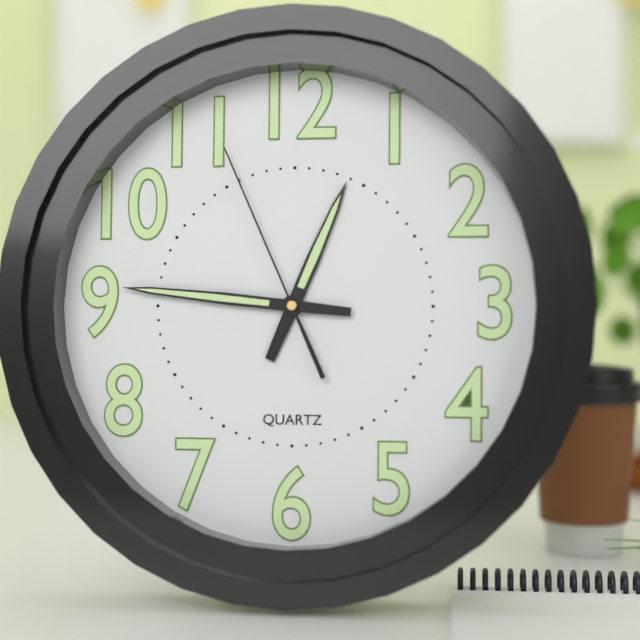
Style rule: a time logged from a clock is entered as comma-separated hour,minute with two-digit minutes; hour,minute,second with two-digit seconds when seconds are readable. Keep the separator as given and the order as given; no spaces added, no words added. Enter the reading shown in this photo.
12,46,56
